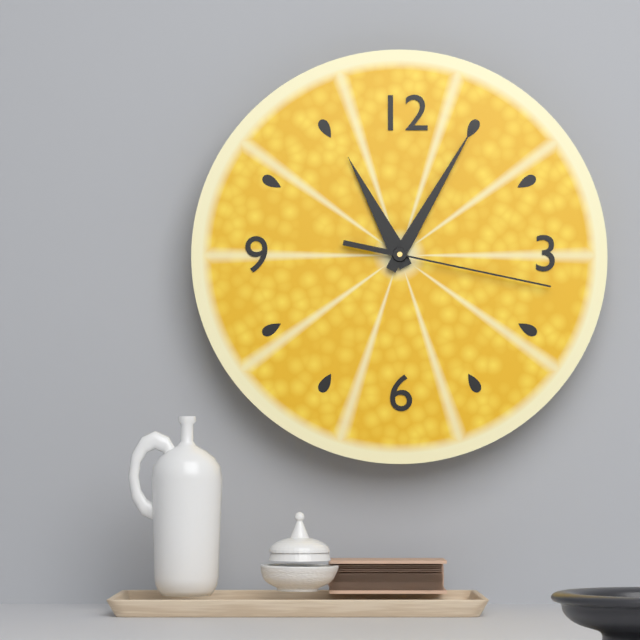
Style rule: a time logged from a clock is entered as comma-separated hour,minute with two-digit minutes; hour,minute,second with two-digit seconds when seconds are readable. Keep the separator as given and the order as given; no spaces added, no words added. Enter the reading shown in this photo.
11,05,17
